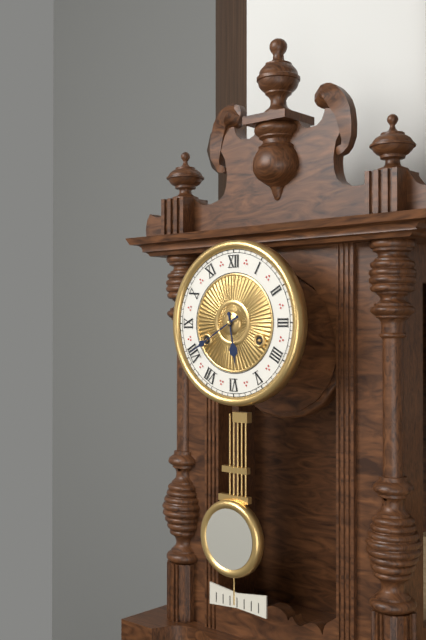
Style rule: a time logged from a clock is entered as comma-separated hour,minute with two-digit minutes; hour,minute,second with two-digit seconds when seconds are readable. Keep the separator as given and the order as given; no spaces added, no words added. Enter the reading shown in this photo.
5,40
